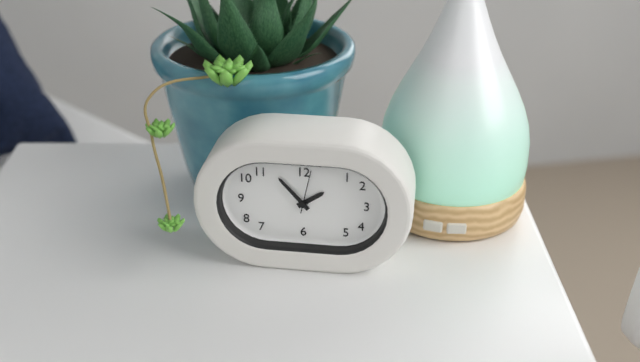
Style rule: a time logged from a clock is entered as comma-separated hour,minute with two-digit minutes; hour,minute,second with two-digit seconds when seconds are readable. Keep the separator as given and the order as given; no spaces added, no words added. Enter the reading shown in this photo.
1,53
